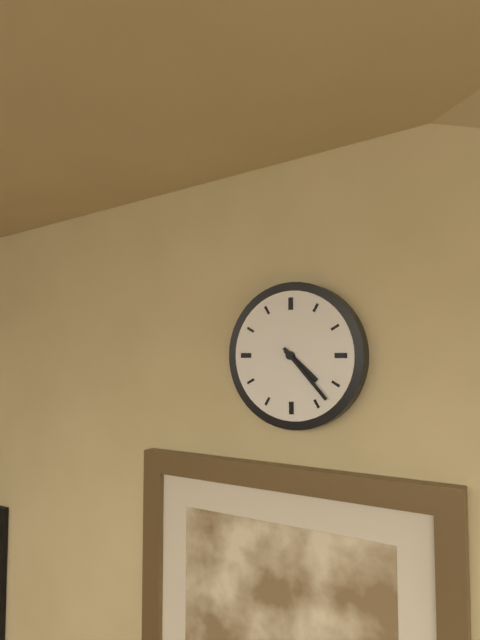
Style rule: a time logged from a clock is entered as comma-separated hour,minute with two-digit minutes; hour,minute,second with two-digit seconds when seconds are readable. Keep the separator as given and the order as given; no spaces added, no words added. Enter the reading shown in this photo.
4,23
